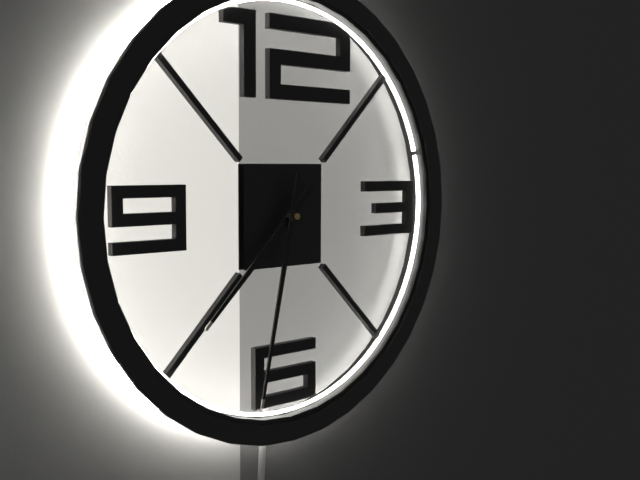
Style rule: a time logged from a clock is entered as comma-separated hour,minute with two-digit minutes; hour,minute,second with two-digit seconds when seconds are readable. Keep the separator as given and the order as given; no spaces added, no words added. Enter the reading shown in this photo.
7,32
